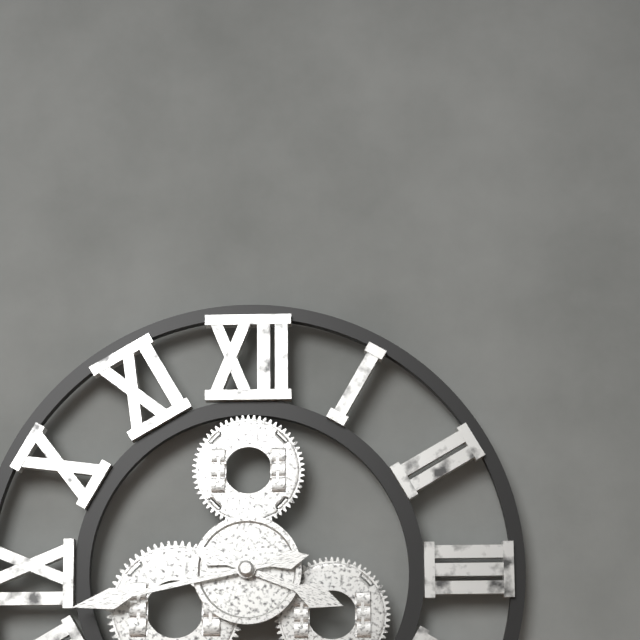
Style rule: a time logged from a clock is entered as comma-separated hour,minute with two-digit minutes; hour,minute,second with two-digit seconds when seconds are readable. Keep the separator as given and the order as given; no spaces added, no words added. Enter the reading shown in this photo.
3,43
